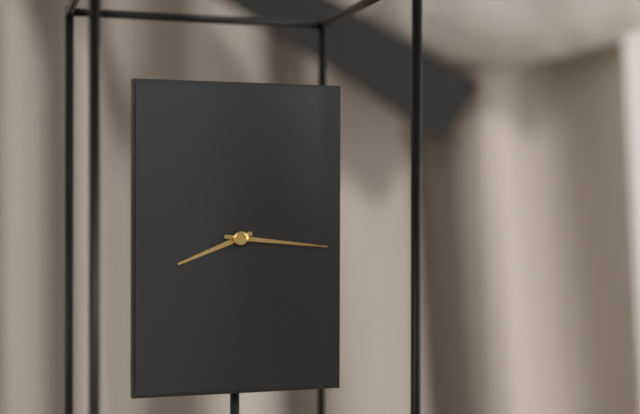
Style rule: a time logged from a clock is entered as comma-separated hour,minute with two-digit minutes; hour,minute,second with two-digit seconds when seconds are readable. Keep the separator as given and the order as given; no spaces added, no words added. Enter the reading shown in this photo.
8,16
